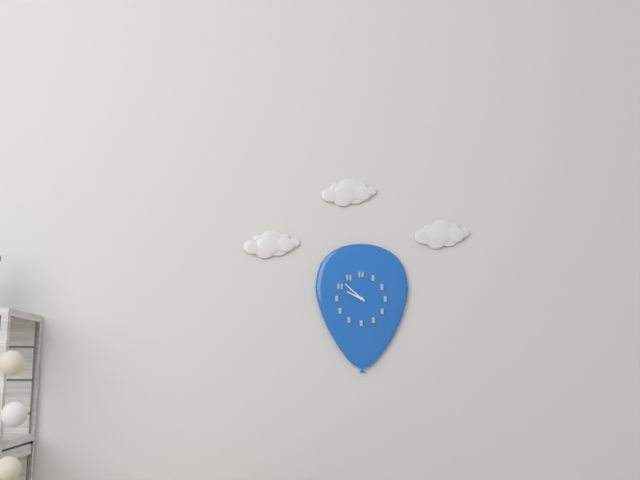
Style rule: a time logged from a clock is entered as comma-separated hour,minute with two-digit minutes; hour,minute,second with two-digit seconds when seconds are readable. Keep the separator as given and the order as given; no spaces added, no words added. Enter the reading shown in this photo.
9,52
